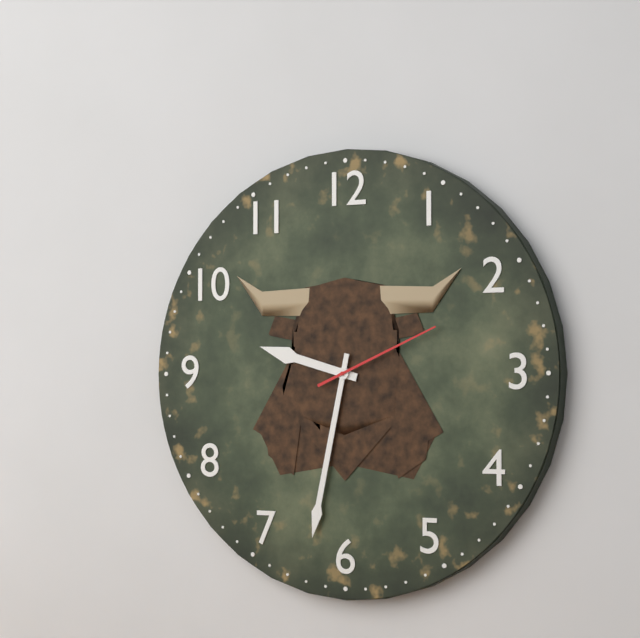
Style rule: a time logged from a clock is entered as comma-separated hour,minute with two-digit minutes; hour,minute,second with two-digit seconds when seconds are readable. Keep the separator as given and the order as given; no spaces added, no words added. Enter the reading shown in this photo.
9,32,11
